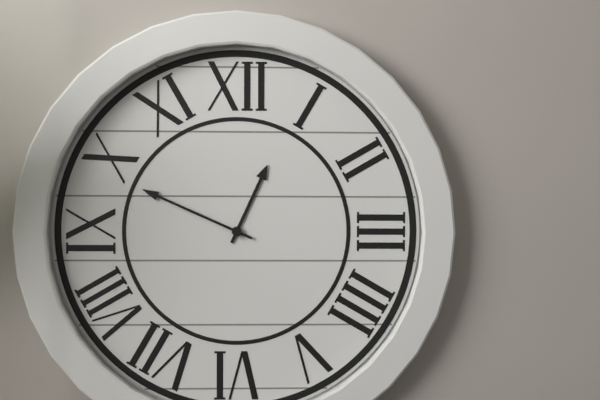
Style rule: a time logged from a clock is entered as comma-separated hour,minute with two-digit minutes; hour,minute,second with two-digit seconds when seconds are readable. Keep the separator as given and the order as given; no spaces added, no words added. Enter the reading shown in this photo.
12,49
